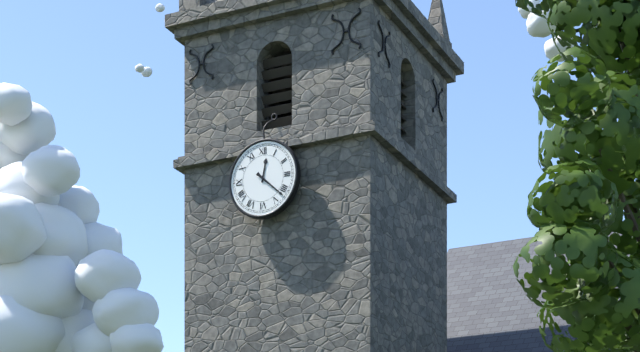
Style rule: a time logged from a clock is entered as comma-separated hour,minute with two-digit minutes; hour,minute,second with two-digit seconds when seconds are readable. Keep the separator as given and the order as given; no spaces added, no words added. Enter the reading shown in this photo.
12,22
